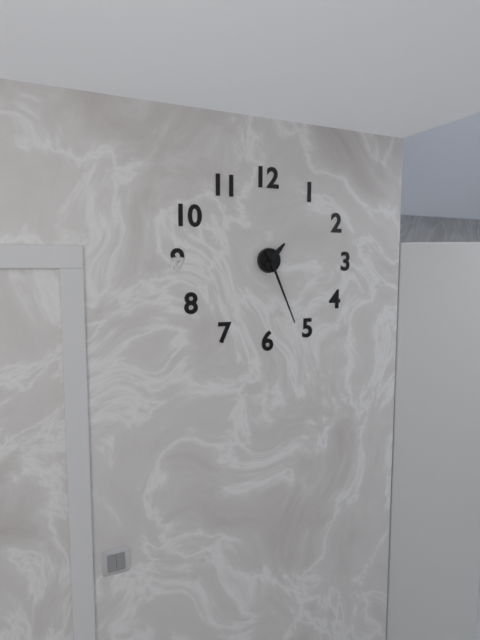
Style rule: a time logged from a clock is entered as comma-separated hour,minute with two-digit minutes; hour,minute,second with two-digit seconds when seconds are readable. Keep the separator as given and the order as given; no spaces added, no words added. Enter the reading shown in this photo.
1,26
